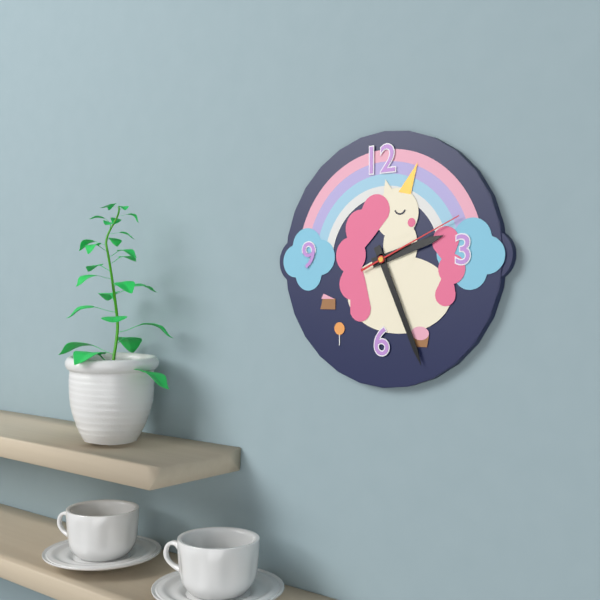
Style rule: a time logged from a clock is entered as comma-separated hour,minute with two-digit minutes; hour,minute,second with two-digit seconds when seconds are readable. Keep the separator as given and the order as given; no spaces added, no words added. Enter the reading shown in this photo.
2,26,11
